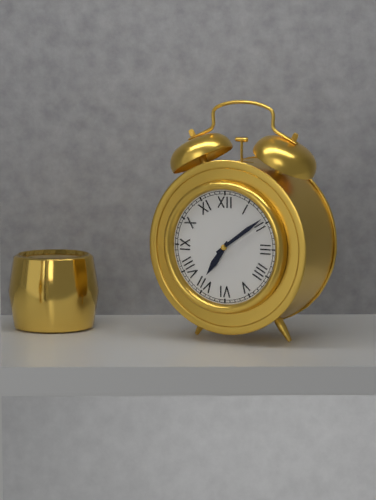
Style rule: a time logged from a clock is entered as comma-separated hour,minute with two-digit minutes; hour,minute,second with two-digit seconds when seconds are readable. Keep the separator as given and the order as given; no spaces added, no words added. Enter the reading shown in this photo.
7,09
